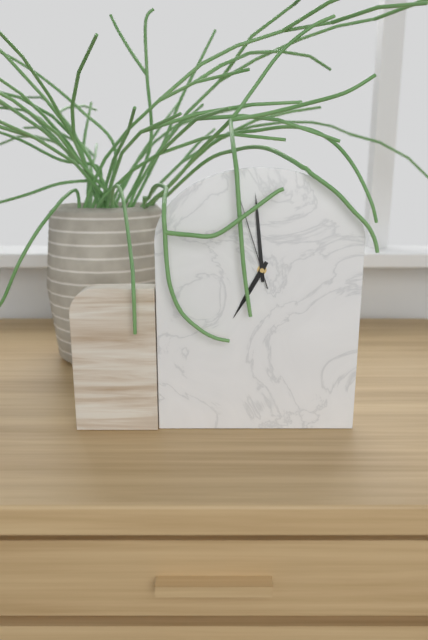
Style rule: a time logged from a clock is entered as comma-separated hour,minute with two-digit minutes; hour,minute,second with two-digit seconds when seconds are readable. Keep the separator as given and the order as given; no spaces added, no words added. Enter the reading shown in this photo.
6,59,57
